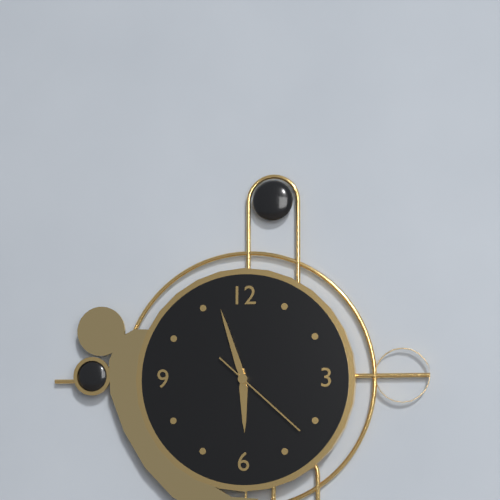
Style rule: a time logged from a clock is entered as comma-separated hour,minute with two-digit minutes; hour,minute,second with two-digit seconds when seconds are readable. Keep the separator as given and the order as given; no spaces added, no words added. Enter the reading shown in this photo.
5,57,22
